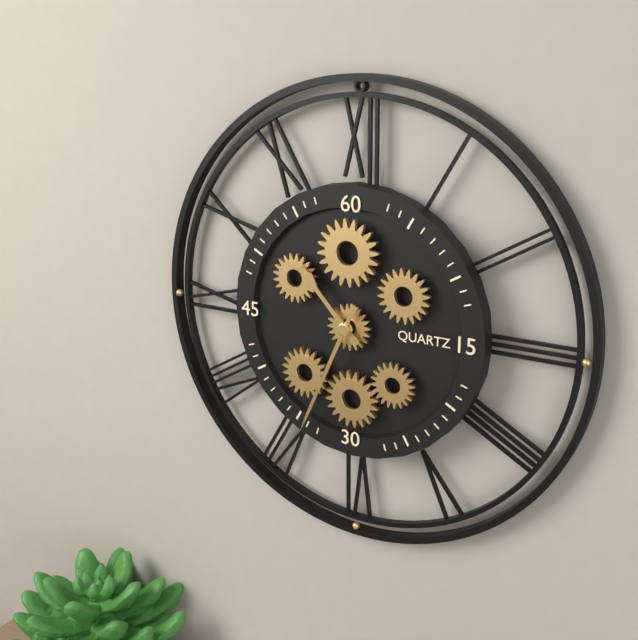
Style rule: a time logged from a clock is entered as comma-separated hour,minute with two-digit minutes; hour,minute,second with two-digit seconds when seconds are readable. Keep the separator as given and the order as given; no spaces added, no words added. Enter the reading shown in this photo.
10,34
